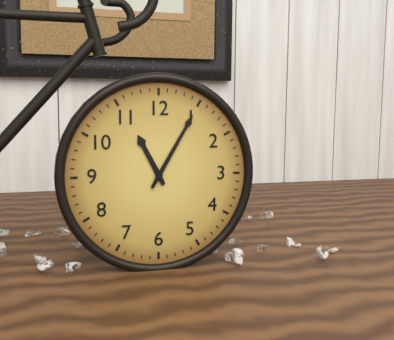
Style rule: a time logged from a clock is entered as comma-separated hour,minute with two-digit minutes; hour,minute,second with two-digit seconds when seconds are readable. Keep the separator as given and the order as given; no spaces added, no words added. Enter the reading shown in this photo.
11,05
